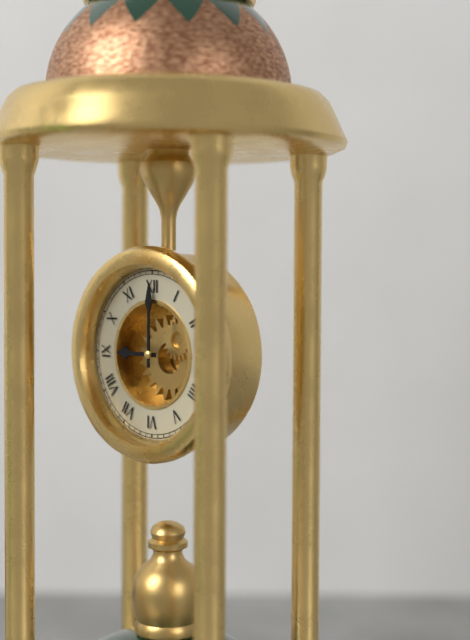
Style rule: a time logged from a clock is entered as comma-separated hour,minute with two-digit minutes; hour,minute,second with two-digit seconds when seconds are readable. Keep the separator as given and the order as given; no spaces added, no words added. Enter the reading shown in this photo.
9,00
